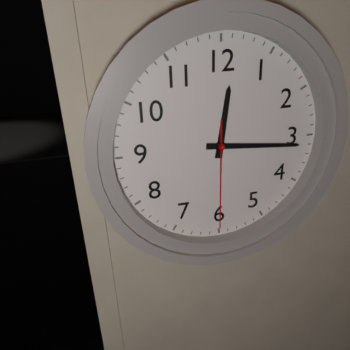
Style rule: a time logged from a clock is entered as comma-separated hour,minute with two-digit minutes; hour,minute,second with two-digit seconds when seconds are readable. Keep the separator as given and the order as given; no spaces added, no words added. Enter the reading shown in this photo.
12,16,30
